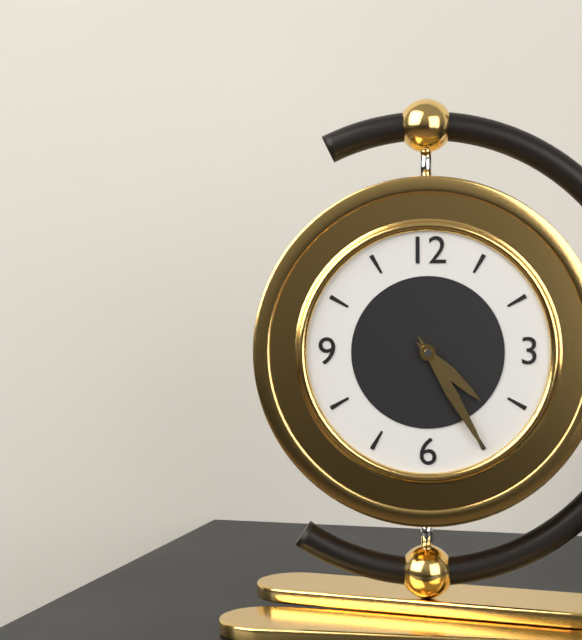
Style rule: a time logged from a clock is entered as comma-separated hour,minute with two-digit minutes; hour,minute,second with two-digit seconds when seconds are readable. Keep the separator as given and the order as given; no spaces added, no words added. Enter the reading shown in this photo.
4,25
